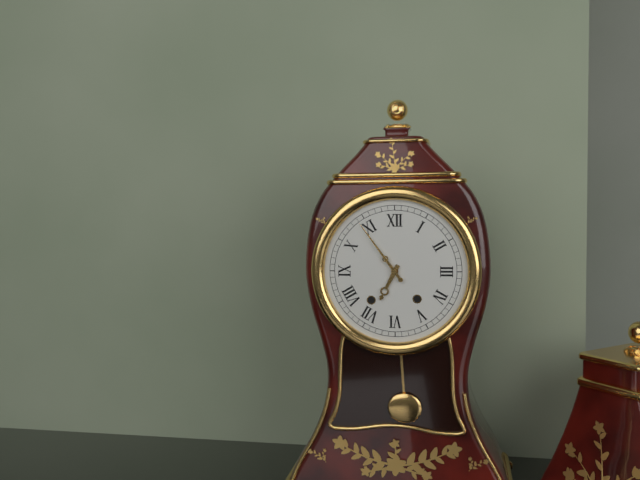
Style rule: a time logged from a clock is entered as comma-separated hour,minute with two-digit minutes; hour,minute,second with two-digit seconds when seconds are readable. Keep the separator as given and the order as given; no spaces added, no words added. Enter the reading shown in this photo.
6,54
